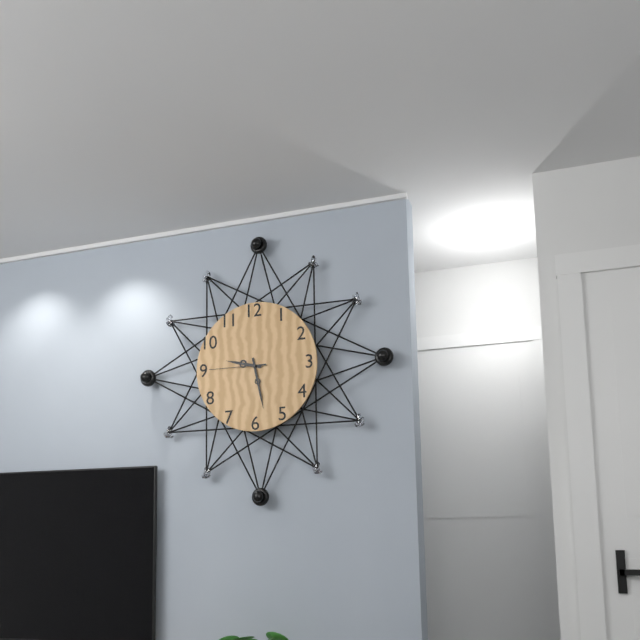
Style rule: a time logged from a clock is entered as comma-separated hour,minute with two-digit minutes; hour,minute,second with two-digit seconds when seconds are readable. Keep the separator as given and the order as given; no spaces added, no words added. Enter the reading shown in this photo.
9,28,45
